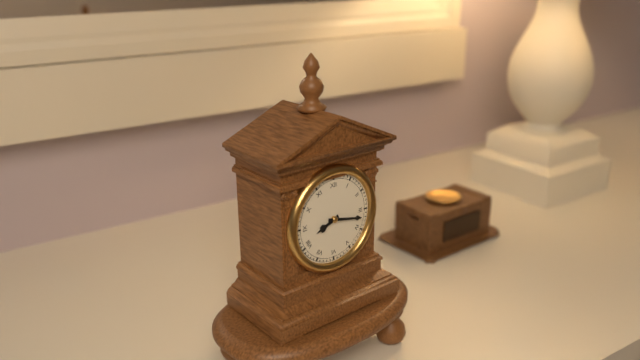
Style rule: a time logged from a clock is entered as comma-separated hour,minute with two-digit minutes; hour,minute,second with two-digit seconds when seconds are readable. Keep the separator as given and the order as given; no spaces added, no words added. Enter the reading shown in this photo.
8,17
